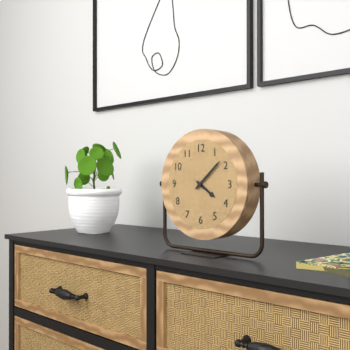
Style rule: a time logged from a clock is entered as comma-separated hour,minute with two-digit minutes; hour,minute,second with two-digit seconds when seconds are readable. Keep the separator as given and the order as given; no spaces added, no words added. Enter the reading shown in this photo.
4,08
